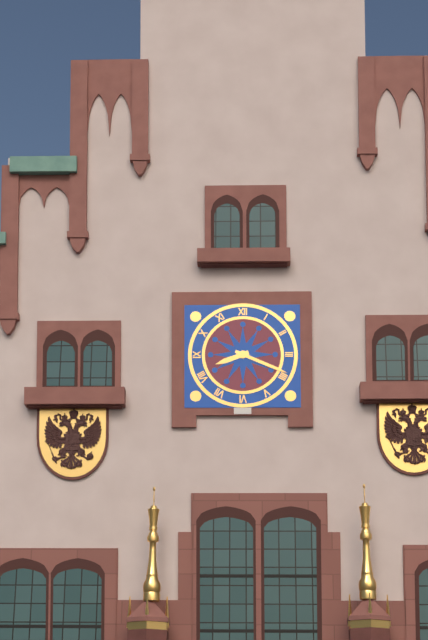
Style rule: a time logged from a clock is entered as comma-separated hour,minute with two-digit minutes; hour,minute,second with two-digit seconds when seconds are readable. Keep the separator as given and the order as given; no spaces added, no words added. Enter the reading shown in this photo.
8,19
